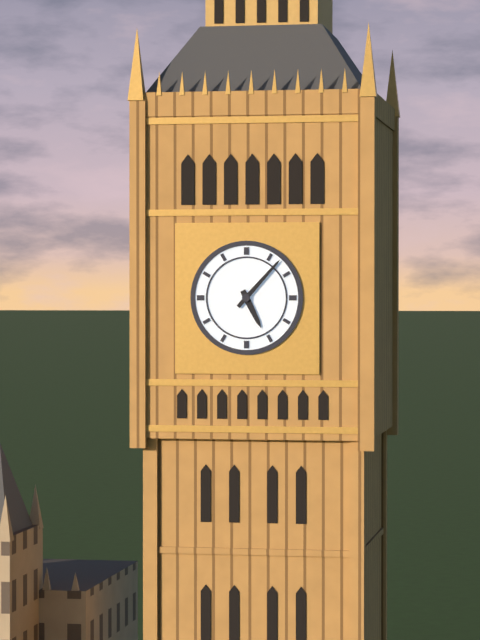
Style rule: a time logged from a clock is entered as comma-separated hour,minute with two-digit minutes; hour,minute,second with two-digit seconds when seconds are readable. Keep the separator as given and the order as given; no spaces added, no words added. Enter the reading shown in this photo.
5,07
